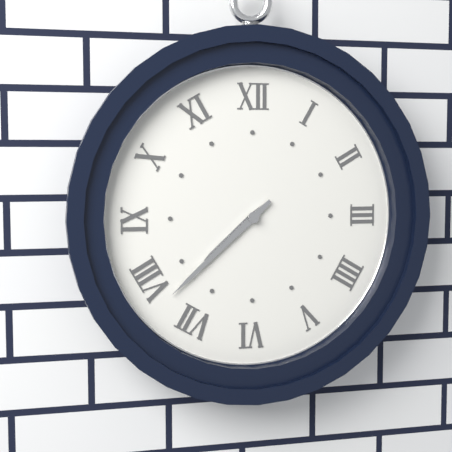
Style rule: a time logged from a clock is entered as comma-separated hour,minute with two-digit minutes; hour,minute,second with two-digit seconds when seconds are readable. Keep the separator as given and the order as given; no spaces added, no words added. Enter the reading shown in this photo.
7,38
